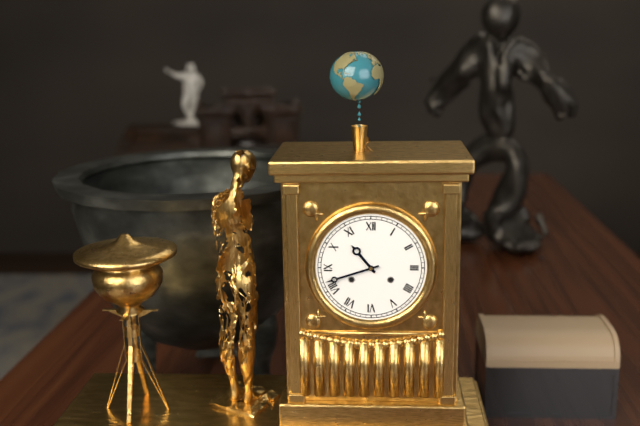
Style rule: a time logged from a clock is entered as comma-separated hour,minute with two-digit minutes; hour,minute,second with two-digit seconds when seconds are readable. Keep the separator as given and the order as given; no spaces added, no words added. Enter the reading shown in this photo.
10,42
